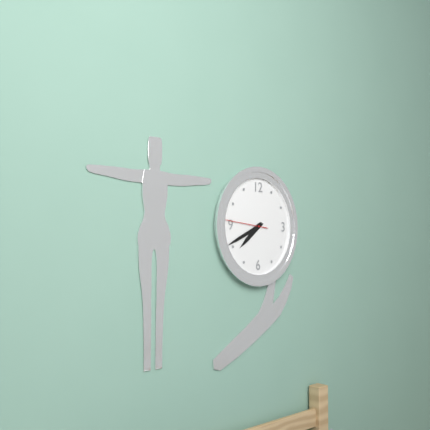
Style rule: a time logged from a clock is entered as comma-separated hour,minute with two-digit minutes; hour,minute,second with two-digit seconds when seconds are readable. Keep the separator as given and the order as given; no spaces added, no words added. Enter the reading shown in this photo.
7,41
